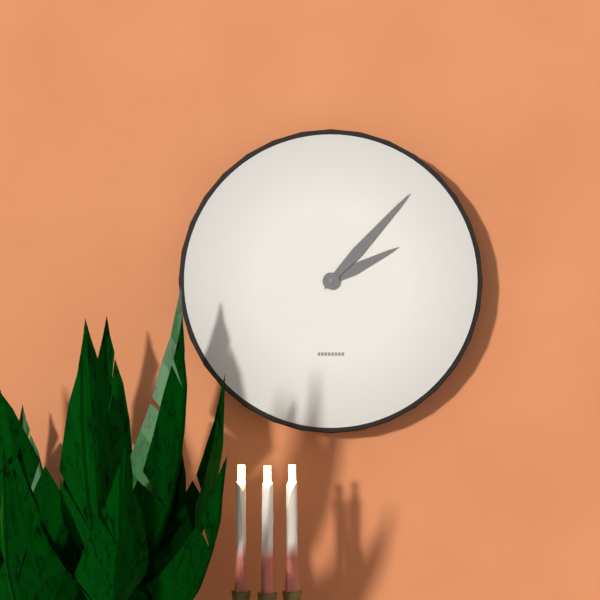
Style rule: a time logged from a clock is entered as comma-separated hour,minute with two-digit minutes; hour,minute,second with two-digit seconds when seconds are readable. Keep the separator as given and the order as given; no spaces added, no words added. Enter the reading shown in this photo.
2,07
